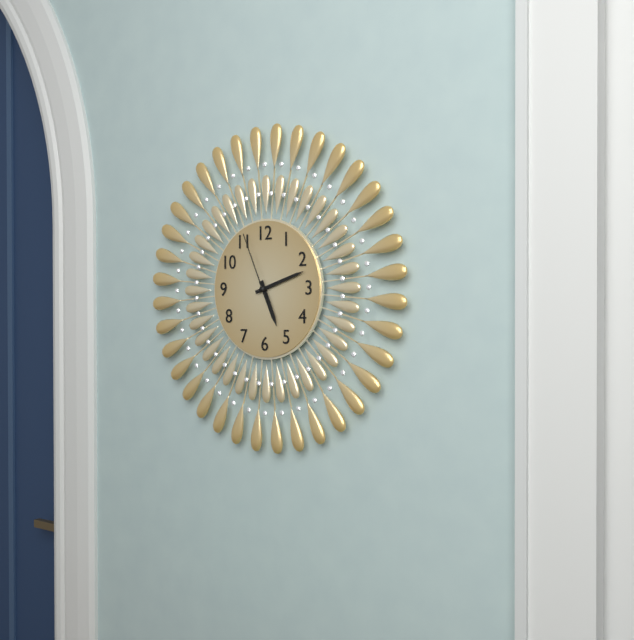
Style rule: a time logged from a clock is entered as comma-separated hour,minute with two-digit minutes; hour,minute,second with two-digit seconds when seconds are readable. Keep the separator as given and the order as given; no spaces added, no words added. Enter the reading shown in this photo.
5,12,56
